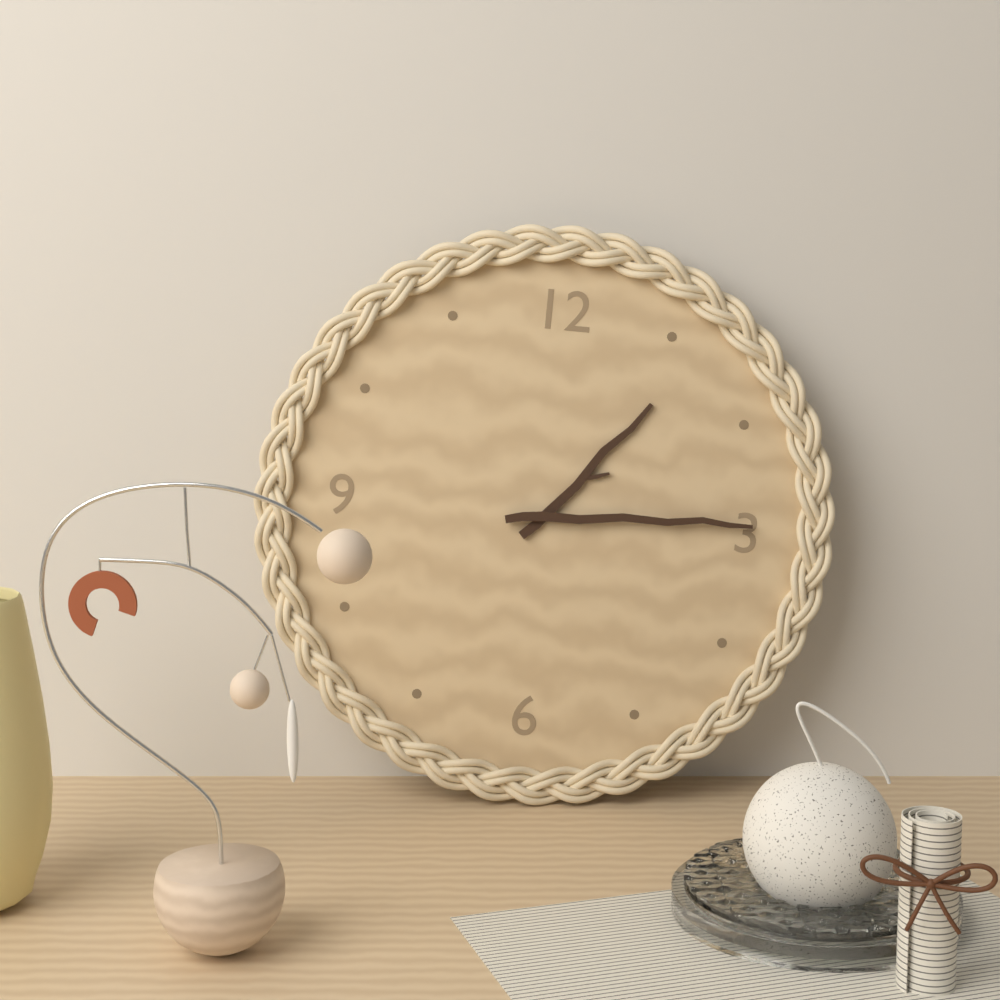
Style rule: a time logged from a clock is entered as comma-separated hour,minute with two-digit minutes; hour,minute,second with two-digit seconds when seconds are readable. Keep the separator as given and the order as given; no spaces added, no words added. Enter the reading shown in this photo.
1,14
